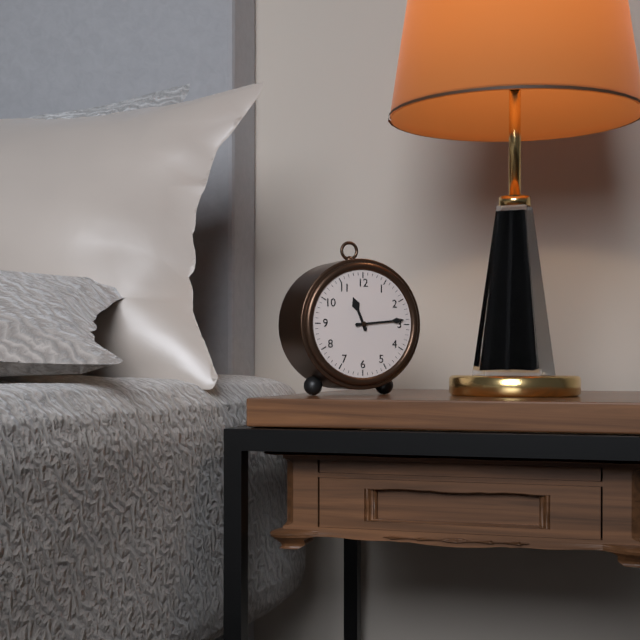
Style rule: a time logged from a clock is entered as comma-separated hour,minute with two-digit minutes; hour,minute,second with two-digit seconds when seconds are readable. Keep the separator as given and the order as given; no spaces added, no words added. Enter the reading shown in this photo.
11,14
